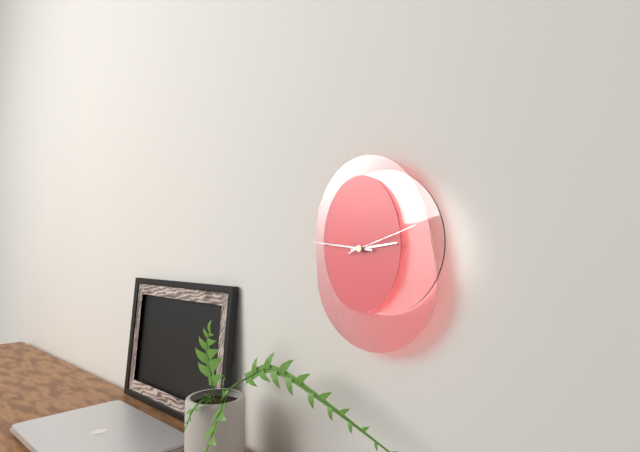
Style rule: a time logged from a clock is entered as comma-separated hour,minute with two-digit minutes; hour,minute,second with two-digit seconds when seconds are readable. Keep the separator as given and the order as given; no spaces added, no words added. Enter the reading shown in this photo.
2,46,12
